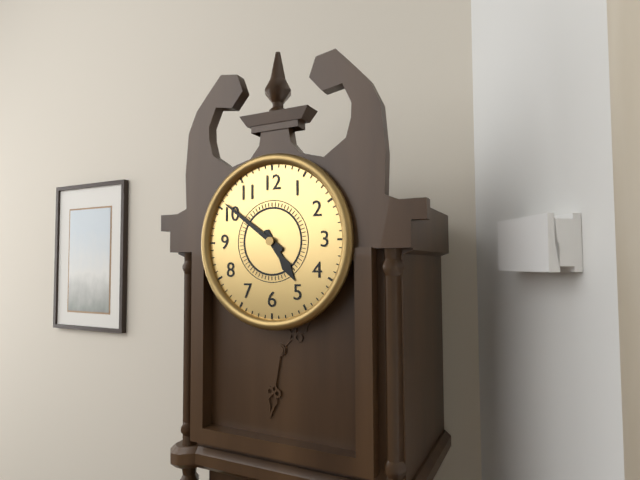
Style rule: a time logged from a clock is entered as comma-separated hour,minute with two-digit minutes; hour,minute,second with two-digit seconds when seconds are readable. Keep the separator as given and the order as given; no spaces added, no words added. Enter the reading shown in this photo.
4,51
